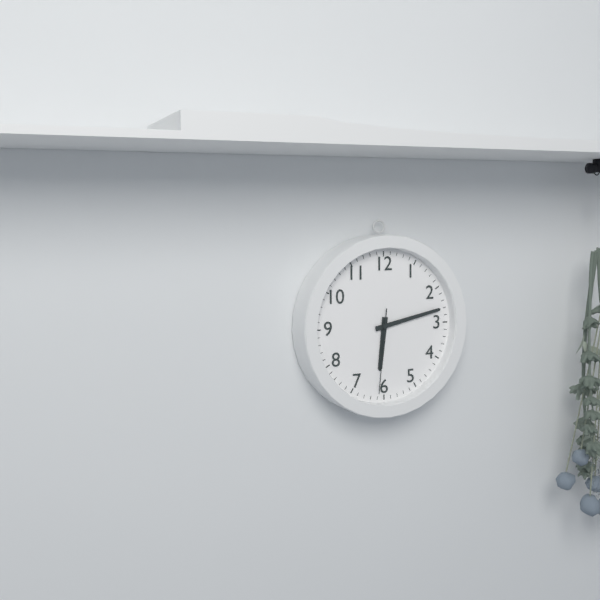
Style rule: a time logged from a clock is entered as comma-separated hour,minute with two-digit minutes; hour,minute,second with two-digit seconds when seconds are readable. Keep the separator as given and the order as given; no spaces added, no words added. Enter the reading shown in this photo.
6,13,31
